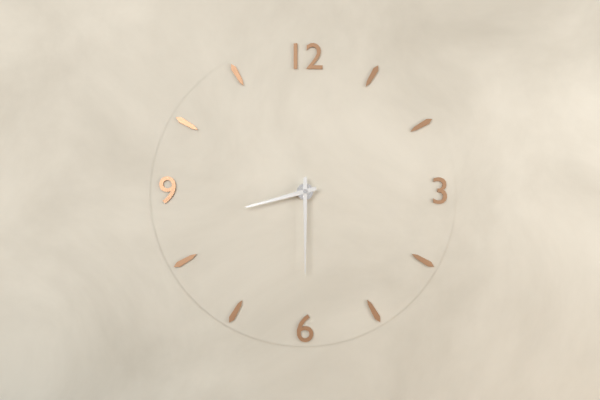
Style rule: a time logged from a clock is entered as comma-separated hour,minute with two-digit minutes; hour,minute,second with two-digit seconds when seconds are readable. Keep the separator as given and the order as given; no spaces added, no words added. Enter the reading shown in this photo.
8,30
